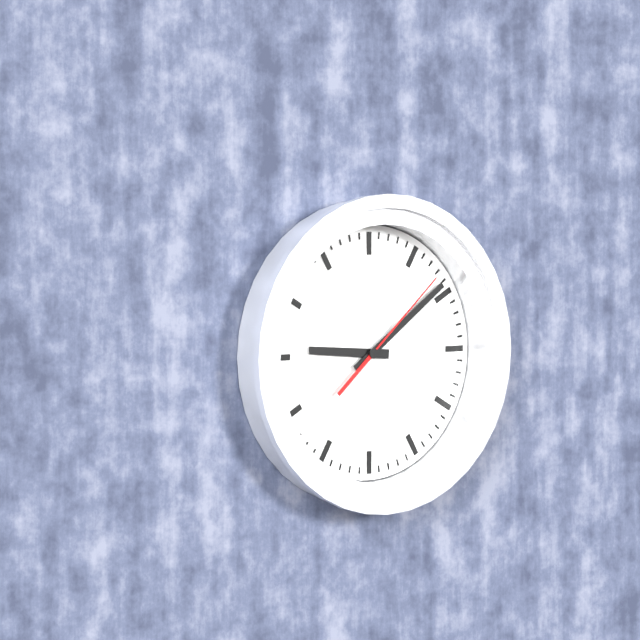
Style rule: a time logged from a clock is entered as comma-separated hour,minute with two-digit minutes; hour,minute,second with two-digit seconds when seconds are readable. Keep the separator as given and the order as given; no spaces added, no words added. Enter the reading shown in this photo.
9,09,08
